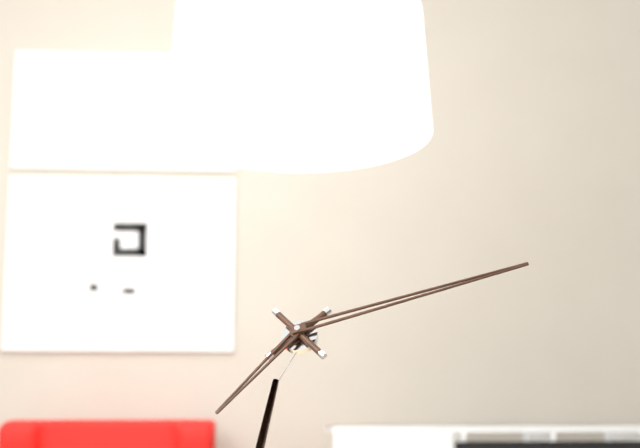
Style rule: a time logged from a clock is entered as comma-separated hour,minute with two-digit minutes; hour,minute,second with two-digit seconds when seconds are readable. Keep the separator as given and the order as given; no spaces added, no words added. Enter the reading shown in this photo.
7,12
